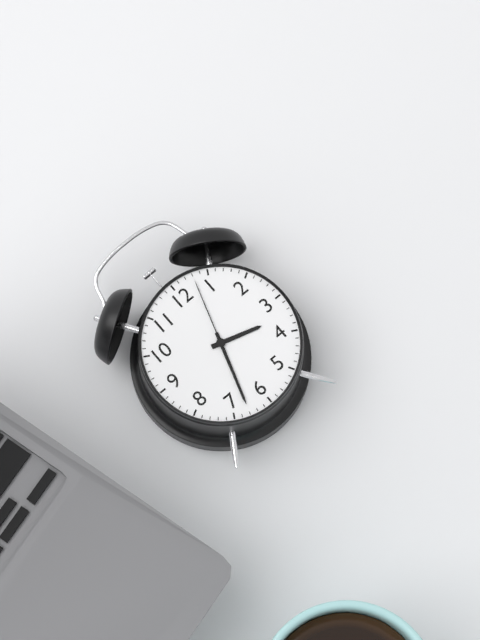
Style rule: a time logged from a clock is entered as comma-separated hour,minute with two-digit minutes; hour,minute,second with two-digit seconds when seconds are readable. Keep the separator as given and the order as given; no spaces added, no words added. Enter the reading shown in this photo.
3,33,03
